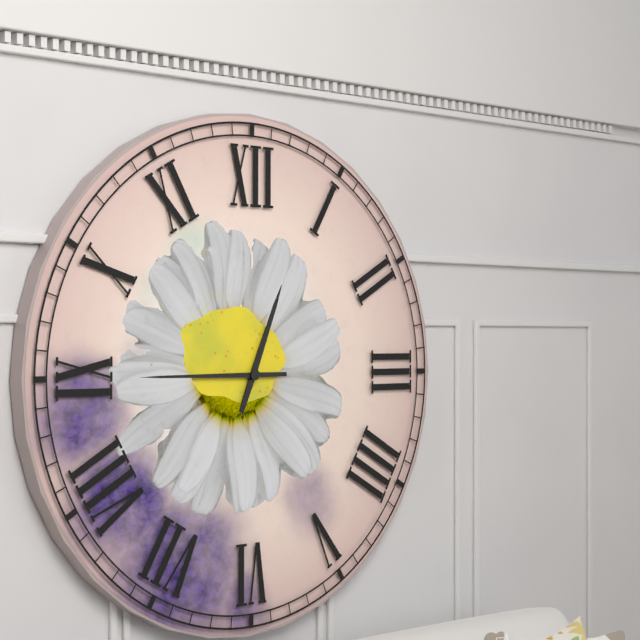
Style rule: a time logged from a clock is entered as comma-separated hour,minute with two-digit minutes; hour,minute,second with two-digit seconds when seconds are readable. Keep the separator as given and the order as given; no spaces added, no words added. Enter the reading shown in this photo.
12,45
